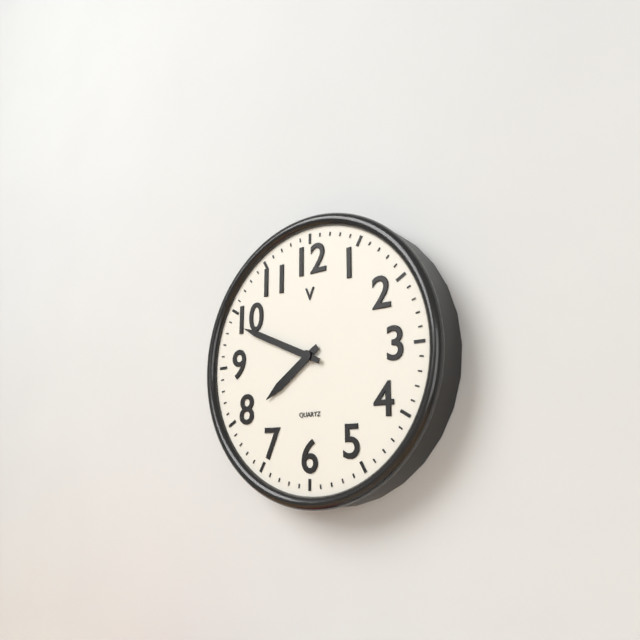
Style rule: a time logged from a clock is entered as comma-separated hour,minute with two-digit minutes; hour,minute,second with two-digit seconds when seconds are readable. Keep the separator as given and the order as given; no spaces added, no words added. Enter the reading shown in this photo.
7,49
